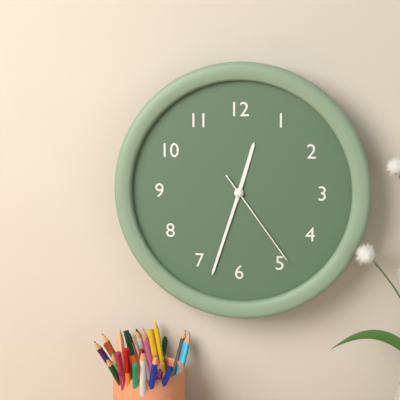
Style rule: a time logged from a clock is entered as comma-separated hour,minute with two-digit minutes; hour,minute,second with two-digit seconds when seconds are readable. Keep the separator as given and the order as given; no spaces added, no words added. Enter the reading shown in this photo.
12,33,24
